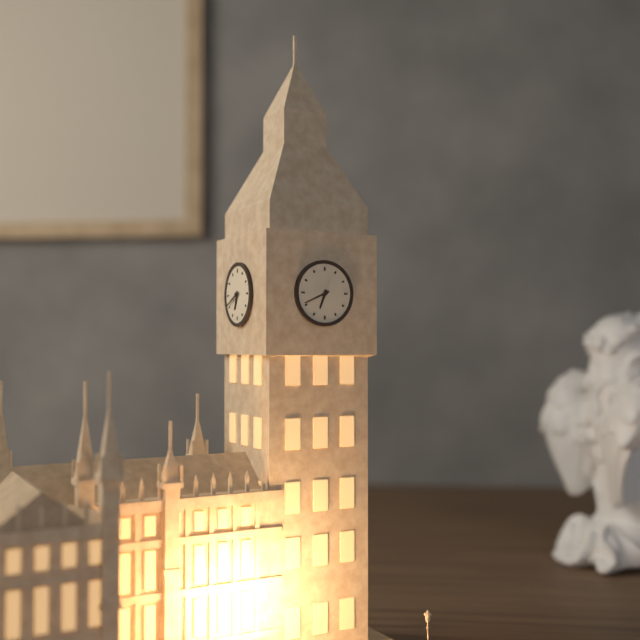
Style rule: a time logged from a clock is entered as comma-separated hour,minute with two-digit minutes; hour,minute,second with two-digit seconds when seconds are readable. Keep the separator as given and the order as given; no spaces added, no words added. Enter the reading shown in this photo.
6,41
